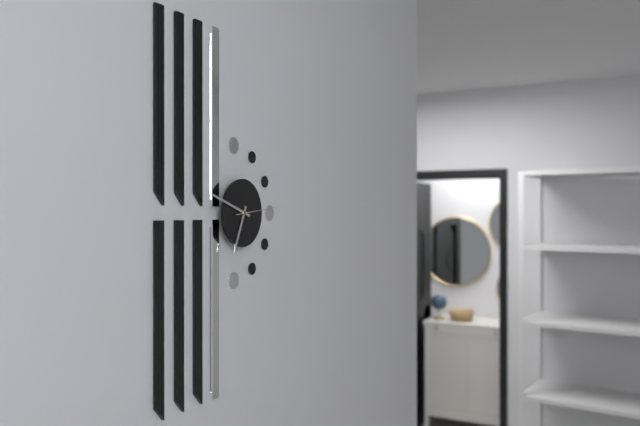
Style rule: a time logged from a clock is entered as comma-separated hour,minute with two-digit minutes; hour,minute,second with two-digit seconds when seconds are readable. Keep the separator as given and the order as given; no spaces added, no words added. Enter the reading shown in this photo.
6,48
